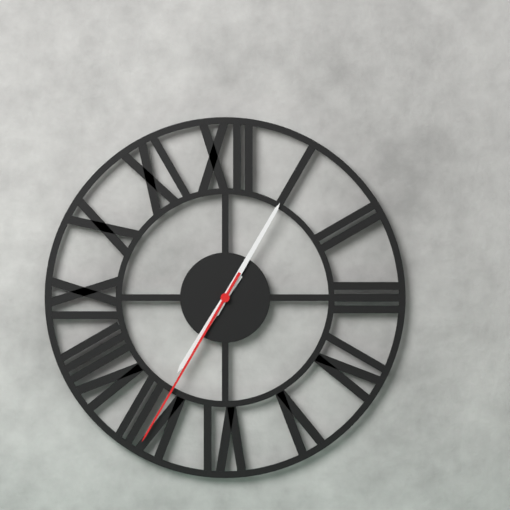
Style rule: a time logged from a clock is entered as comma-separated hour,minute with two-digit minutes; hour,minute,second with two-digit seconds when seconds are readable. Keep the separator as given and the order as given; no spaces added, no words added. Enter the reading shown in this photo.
7,05,35
